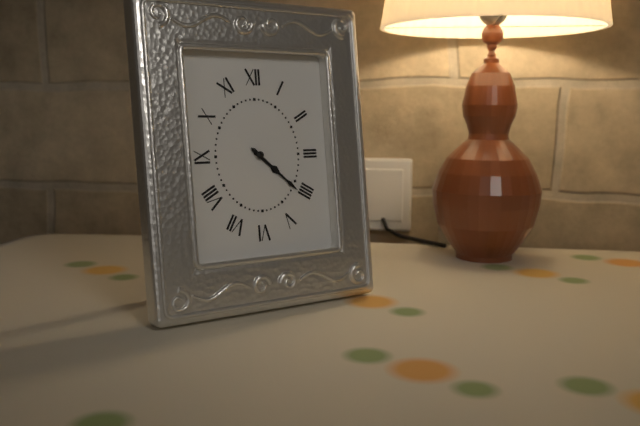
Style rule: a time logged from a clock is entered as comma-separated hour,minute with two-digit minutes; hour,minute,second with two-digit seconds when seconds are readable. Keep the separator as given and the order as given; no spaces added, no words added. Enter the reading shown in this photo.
4,22
